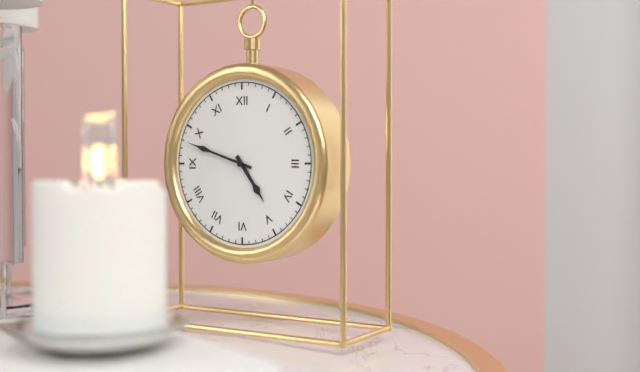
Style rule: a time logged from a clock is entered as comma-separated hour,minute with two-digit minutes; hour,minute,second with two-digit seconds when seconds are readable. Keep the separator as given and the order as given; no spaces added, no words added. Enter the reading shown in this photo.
4,48
